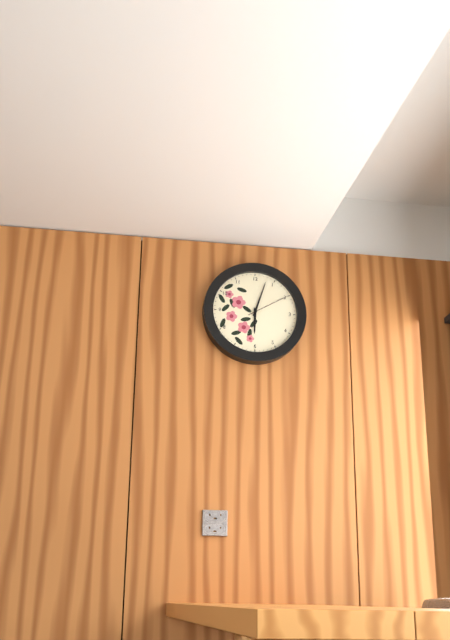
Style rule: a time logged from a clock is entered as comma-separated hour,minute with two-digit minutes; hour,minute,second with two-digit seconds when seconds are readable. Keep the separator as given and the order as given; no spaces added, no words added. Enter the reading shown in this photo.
6,03
